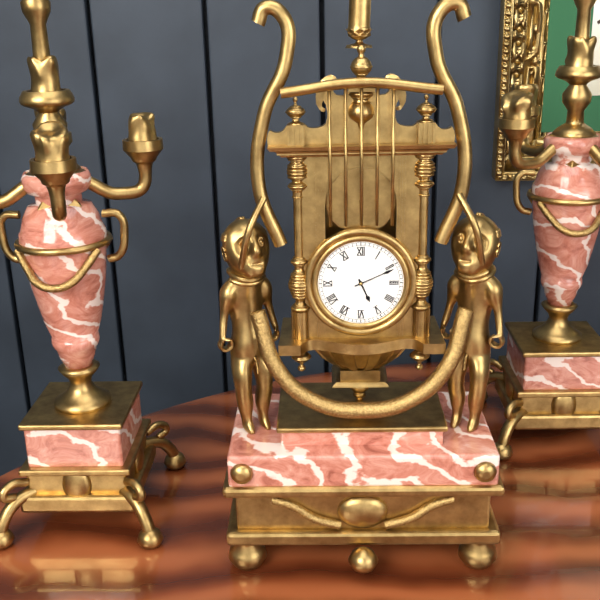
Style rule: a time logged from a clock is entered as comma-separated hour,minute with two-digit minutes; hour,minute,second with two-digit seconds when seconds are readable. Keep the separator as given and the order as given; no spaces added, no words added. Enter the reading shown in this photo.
5,11
